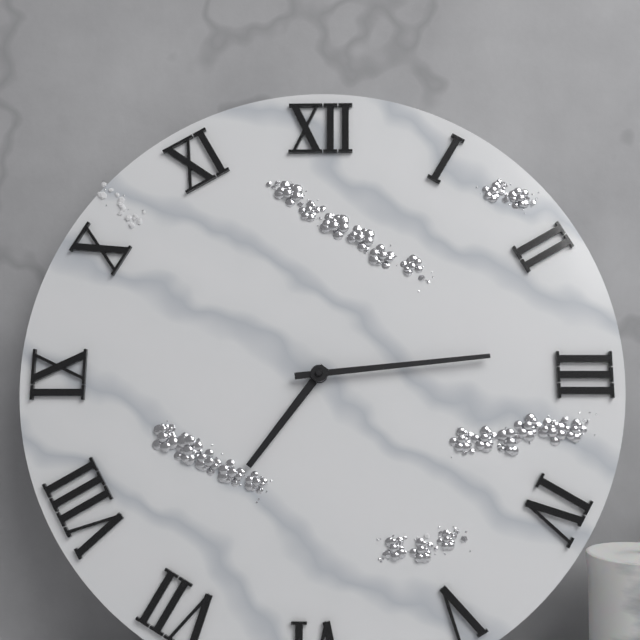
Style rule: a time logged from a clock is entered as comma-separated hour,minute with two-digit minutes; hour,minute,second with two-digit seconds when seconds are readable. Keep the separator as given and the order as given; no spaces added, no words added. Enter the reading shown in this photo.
7,14
